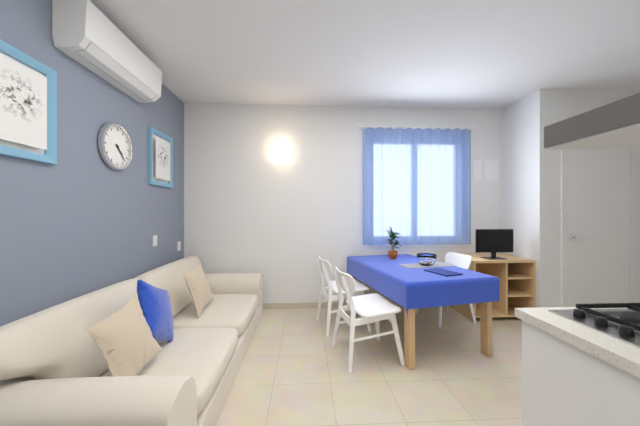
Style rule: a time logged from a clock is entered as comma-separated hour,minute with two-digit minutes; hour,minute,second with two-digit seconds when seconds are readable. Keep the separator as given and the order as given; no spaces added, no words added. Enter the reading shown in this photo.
4,23
